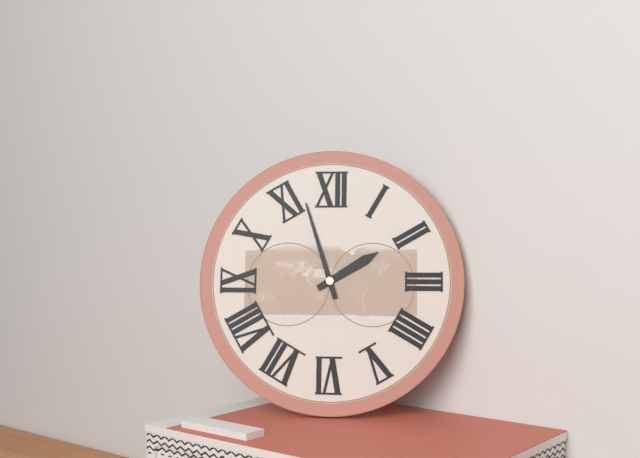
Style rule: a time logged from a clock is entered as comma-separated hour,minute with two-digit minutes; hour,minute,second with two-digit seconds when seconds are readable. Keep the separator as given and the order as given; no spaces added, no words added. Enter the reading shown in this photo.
1,57
